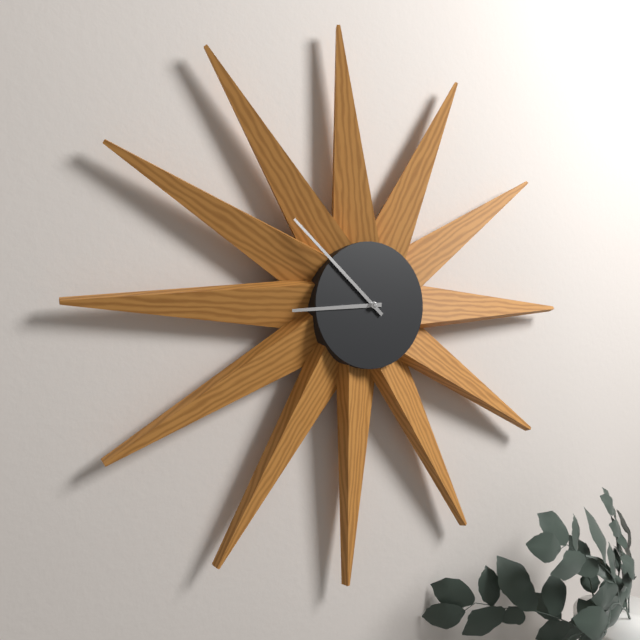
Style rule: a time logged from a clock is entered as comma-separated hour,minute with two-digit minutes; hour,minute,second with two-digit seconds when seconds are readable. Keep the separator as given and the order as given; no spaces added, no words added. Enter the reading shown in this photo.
8,52
